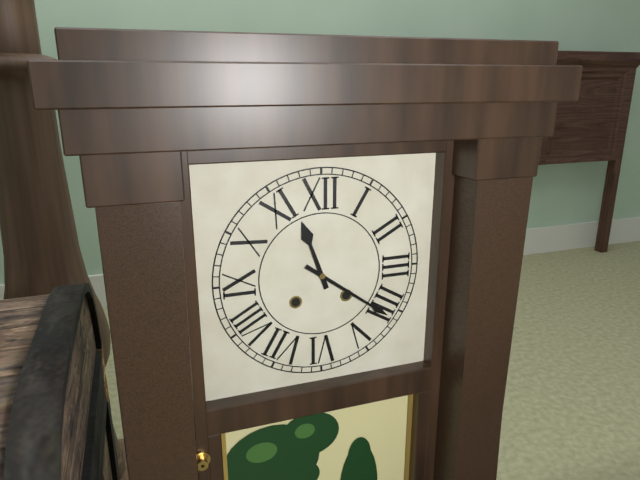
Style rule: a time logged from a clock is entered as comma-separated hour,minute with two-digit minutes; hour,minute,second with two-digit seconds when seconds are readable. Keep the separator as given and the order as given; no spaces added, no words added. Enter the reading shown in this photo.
11,21
